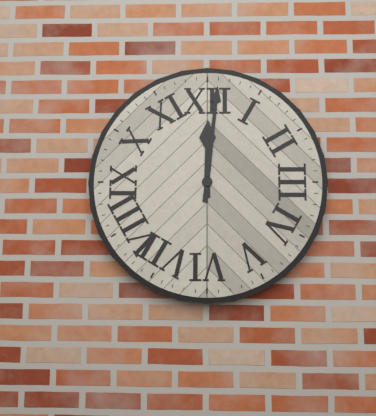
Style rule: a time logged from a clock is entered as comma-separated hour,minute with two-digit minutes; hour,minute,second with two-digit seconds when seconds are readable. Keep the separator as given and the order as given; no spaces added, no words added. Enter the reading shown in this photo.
12,01
